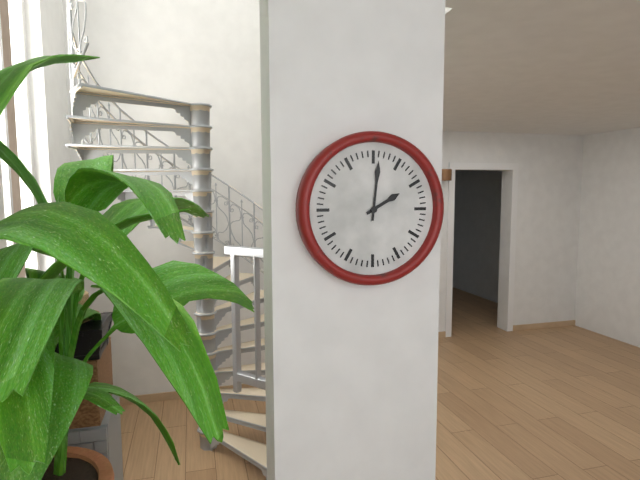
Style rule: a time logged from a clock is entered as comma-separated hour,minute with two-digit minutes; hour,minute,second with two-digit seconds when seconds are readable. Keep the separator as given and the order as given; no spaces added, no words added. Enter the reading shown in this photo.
2,01
